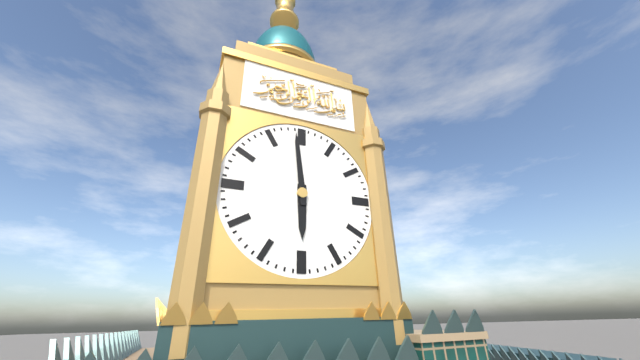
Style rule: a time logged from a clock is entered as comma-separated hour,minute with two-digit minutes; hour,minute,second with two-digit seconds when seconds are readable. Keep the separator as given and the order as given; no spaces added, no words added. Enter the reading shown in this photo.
5,59
